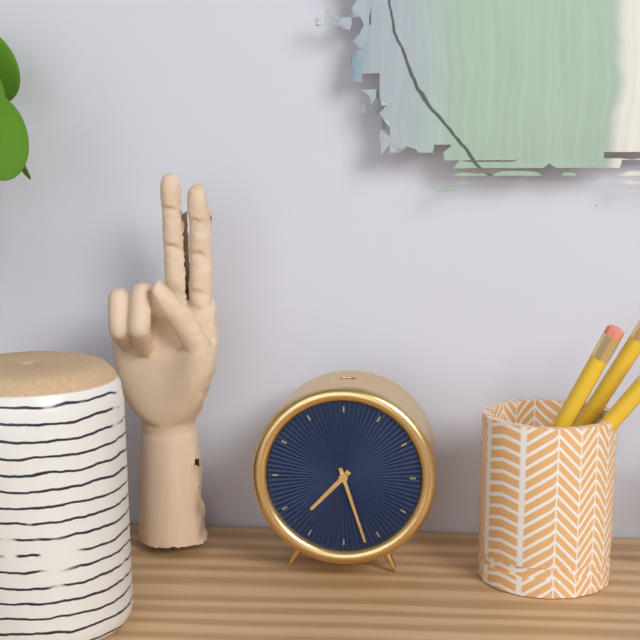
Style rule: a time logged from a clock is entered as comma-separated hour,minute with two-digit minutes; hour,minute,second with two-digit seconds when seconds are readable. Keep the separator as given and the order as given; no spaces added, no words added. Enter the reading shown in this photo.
7,27
